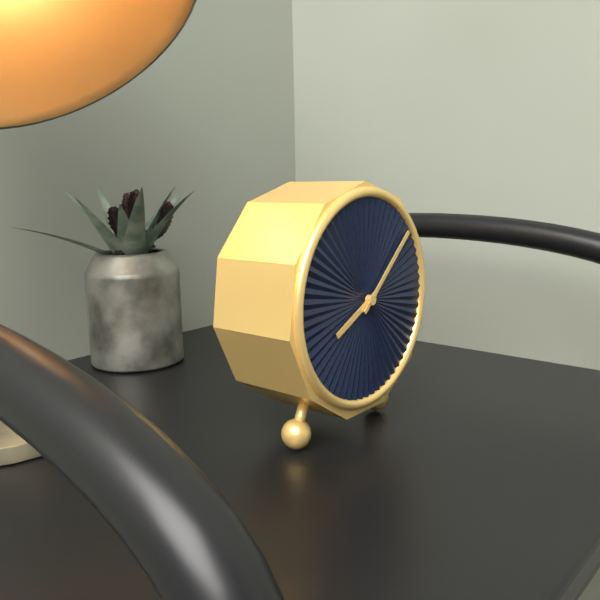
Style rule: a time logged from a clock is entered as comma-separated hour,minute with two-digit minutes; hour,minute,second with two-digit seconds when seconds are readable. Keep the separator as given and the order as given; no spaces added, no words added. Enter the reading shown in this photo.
8,08
